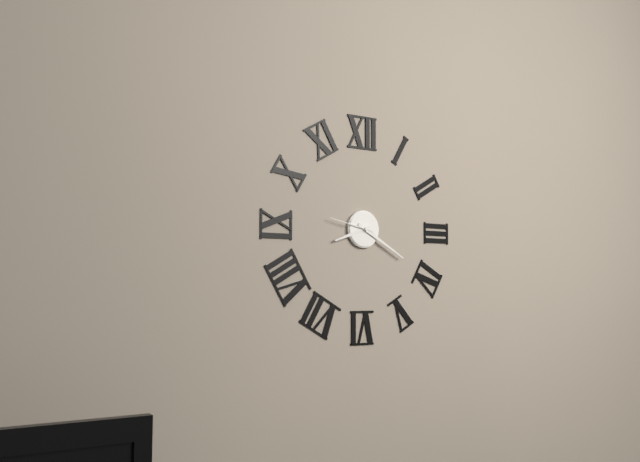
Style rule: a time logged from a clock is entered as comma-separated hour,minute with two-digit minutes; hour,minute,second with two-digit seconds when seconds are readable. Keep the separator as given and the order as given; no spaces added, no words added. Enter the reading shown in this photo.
8,20
